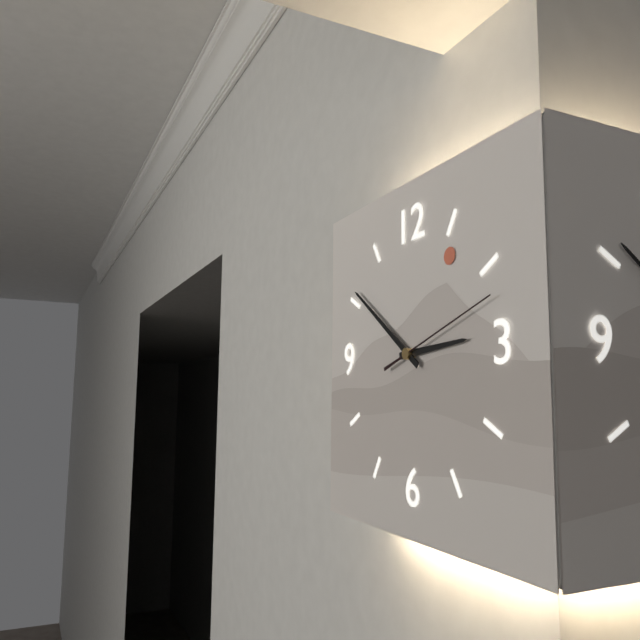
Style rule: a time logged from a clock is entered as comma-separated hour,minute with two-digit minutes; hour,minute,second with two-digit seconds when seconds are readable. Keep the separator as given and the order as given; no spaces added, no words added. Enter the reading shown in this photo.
2,51,12
